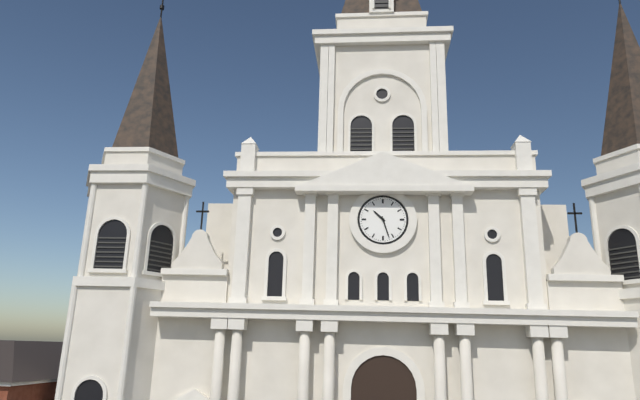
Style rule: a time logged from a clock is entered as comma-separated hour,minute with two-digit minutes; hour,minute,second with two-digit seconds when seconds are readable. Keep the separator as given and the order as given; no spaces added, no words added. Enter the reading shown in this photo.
10,27
